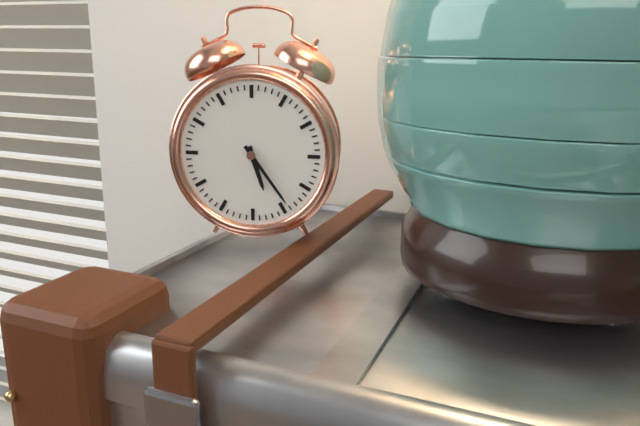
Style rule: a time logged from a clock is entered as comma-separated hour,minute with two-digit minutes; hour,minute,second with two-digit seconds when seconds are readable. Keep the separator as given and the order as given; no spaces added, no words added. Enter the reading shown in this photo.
5,24
